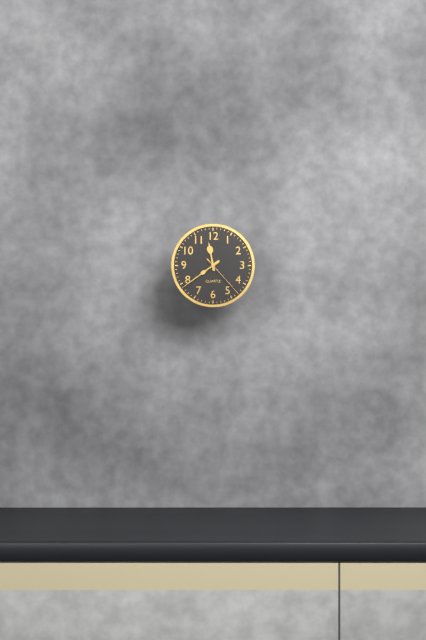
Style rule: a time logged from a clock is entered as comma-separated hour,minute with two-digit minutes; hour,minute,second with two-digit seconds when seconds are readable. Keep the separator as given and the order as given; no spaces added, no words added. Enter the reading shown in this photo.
11,39
